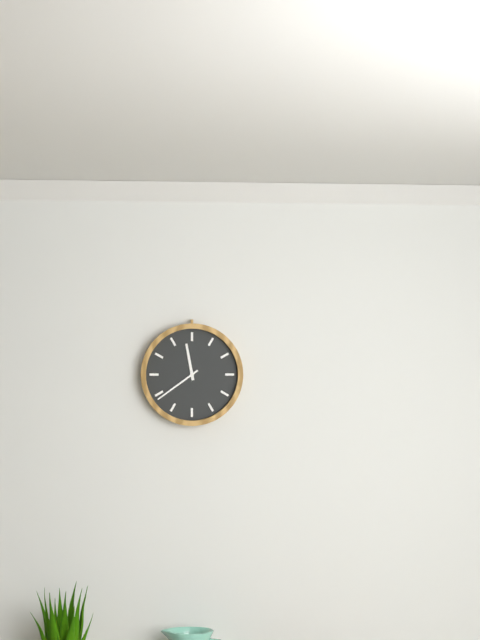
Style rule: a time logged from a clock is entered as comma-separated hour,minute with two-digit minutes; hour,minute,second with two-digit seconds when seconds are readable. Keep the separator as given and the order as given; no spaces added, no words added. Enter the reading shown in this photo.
11,39
